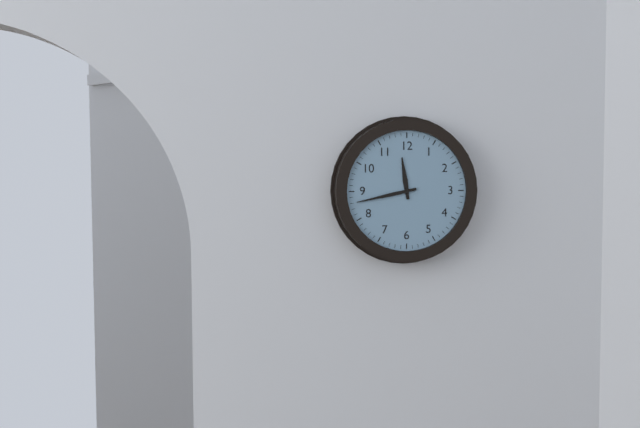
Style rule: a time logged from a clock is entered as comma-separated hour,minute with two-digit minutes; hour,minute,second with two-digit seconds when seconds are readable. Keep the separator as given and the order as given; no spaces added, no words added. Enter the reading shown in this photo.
11,43
